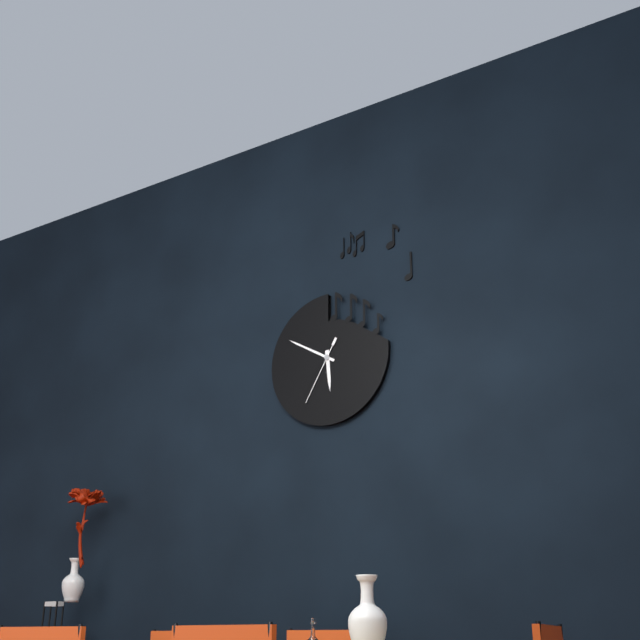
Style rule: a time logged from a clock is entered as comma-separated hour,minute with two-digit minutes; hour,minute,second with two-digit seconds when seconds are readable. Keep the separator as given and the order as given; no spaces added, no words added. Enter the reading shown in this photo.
5,50,35
